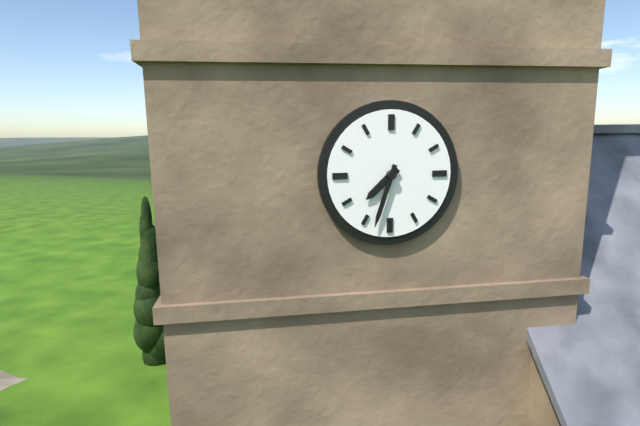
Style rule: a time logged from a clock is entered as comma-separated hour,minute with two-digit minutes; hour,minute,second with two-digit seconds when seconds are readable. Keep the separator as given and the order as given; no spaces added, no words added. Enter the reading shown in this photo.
7,33
